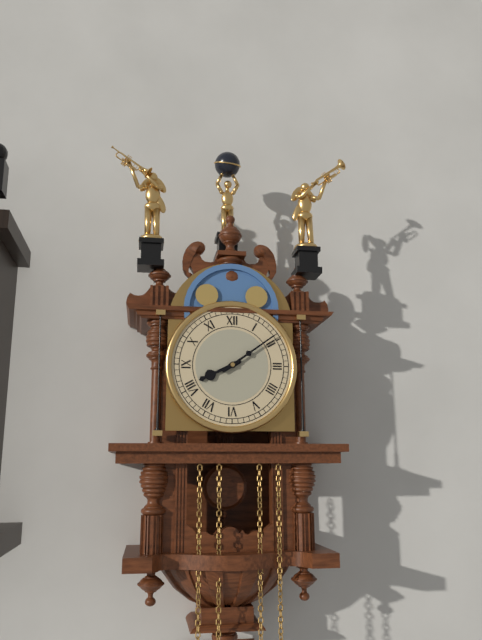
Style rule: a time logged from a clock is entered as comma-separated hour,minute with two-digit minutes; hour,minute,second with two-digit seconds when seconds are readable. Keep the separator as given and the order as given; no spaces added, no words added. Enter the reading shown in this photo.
8,09
